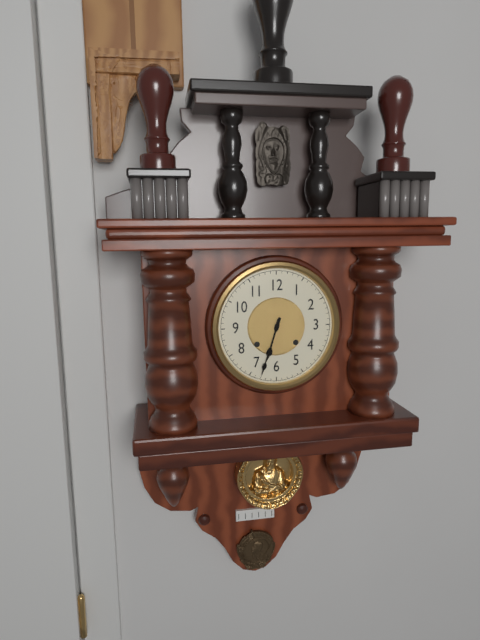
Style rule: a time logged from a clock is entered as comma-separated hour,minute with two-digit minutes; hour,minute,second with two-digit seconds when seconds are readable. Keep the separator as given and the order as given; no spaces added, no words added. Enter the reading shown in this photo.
6,33
